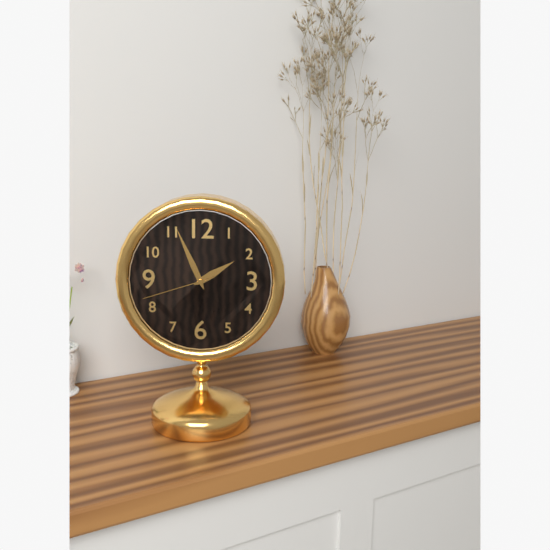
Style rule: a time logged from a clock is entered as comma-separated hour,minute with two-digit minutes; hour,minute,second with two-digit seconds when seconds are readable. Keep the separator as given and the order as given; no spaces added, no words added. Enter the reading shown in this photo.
1,56,42
